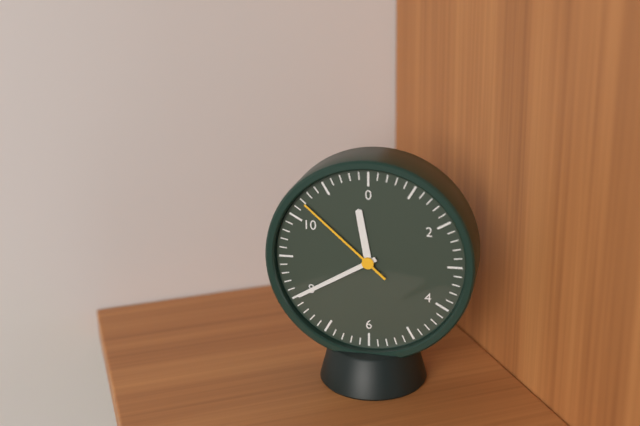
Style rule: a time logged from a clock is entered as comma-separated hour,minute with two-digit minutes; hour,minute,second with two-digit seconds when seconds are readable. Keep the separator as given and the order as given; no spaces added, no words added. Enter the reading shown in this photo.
11,40,52
